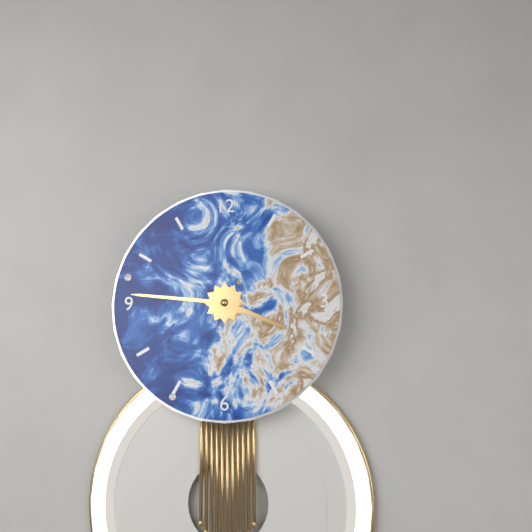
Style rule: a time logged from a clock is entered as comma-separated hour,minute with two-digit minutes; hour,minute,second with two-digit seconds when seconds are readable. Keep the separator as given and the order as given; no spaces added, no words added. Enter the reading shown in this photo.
3,46
